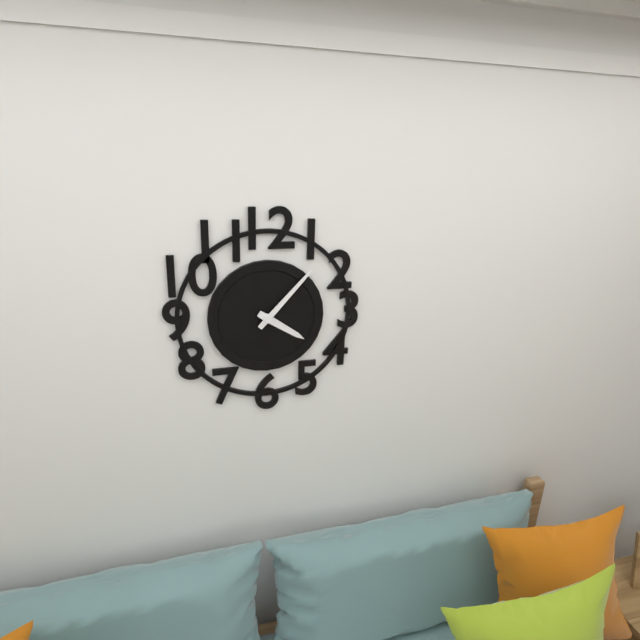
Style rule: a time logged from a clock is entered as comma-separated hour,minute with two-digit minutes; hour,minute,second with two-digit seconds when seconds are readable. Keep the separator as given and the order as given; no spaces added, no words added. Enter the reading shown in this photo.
4,07
